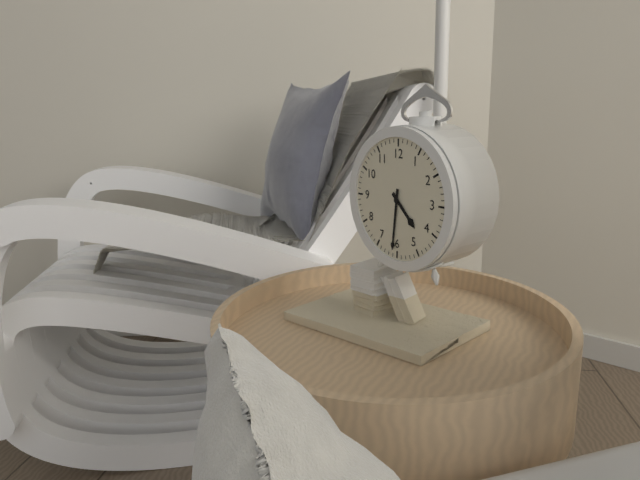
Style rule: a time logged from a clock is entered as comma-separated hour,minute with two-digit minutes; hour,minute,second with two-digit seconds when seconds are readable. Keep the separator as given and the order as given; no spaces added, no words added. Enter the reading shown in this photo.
4,31
